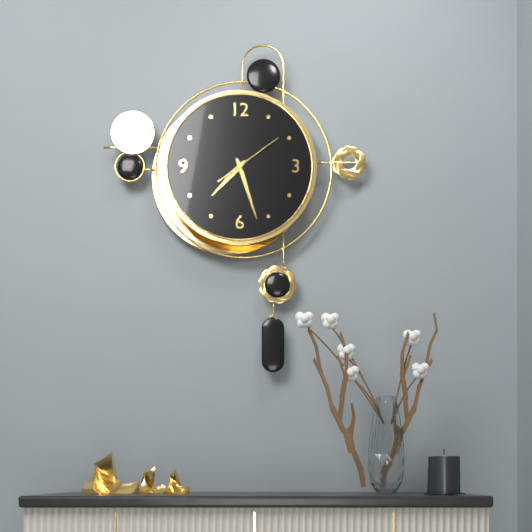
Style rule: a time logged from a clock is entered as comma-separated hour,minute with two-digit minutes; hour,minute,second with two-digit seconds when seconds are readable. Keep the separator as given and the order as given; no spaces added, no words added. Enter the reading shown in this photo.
7,27,09
